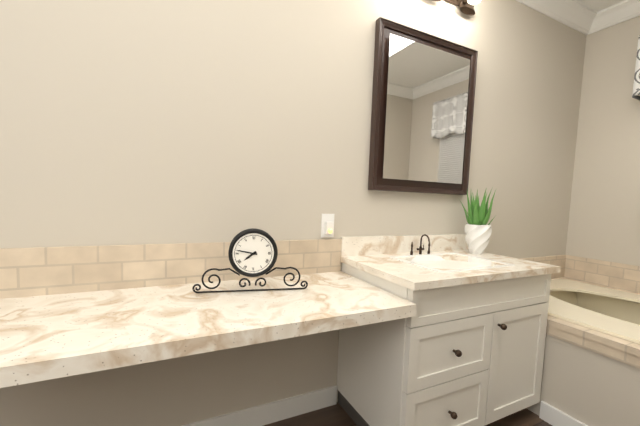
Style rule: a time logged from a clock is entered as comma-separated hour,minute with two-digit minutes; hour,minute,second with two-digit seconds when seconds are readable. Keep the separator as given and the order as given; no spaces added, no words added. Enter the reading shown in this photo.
7,47
